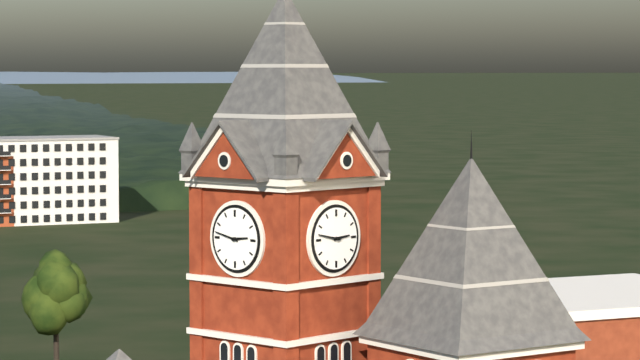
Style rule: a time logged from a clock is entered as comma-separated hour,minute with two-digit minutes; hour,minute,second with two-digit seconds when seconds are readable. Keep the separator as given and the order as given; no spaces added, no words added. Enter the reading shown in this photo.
2,47
